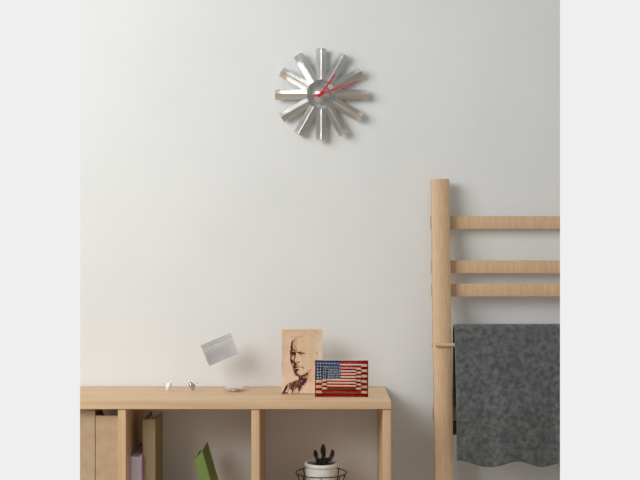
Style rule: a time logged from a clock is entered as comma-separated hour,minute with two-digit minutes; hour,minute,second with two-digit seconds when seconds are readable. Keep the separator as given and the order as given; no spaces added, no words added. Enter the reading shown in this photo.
1,12
